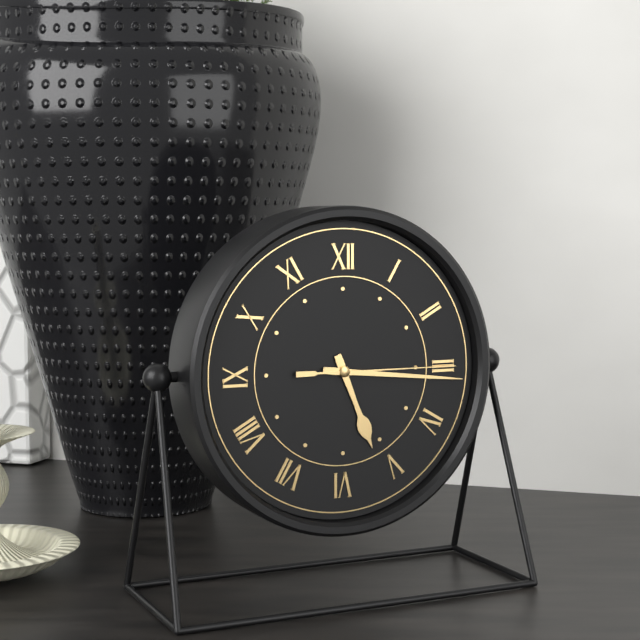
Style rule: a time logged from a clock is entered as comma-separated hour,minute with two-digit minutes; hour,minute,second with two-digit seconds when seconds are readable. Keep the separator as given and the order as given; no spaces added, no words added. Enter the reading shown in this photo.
5,16,15
